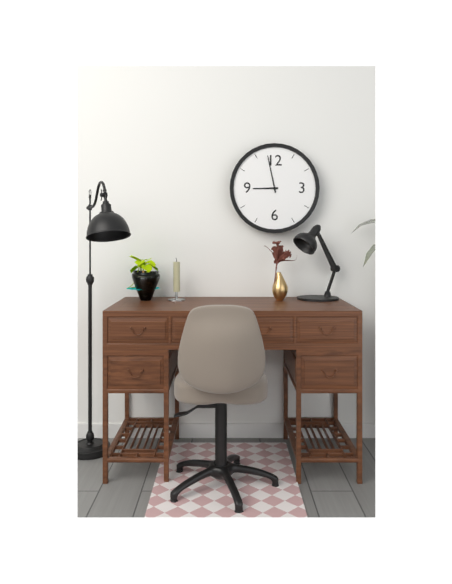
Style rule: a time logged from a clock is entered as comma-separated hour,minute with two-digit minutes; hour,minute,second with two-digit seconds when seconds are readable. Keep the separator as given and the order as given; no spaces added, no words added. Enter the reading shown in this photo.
8,58
